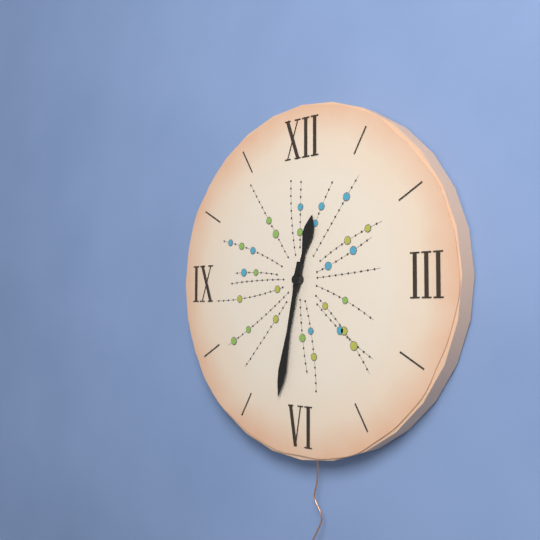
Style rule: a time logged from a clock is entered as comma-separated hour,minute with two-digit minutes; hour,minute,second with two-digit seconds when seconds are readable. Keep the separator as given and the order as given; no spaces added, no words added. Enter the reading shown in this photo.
12,32
